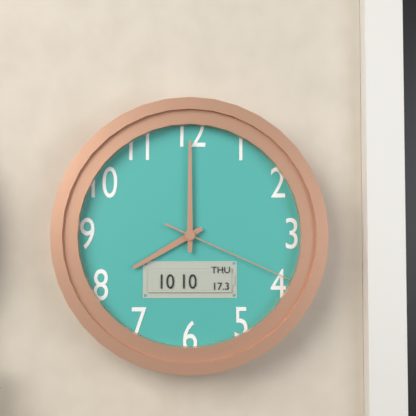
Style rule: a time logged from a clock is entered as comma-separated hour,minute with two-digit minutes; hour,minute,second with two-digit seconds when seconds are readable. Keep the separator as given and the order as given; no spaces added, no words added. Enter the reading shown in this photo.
8,00,19
